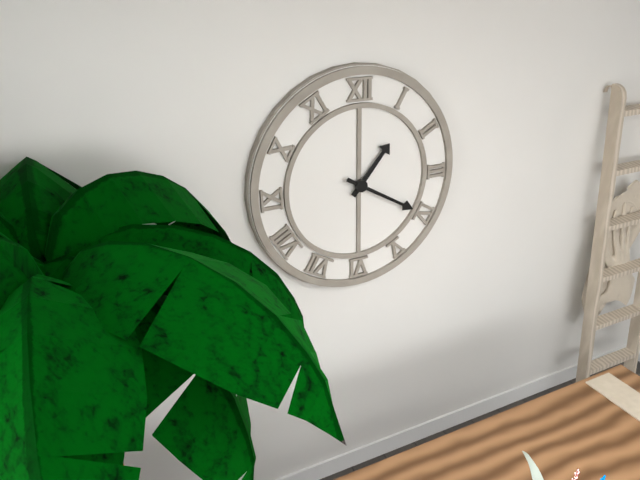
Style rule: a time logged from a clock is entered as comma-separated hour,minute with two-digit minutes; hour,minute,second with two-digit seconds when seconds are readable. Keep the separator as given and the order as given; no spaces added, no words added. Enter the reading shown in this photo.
1,20
